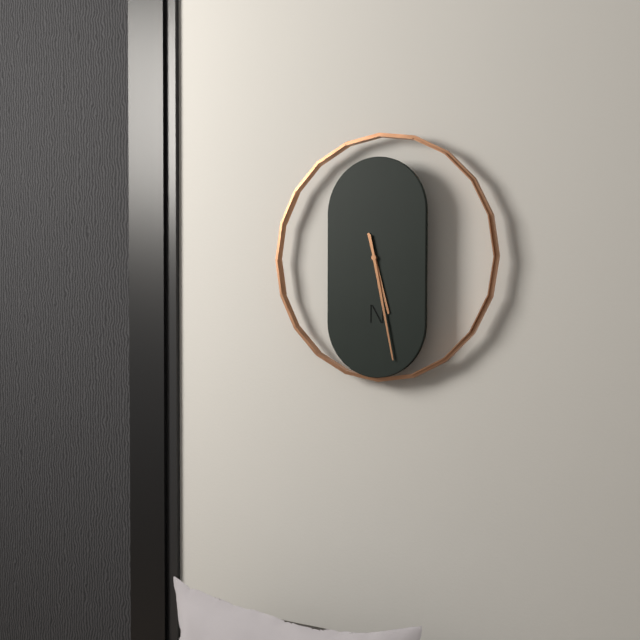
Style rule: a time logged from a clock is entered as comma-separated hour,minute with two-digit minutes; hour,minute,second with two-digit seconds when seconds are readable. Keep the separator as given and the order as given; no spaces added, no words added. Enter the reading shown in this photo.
5,28
